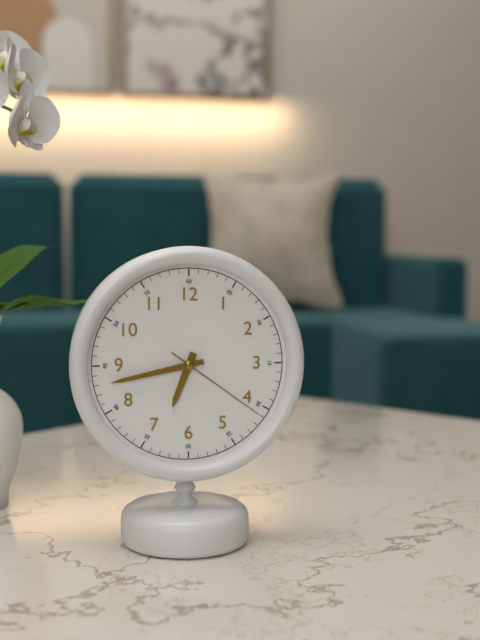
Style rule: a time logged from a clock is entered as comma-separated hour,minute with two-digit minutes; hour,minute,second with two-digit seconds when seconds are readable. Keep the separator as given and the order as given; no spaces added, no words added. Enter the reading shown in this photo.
6,43,21
